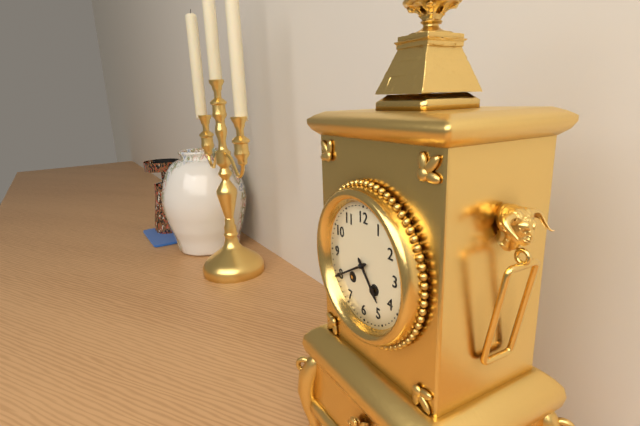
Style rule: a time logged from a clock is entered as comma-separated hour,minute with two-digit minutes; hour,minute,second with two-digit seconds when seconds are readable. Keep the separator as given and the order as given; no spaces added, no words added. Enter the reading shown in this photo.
4,40
